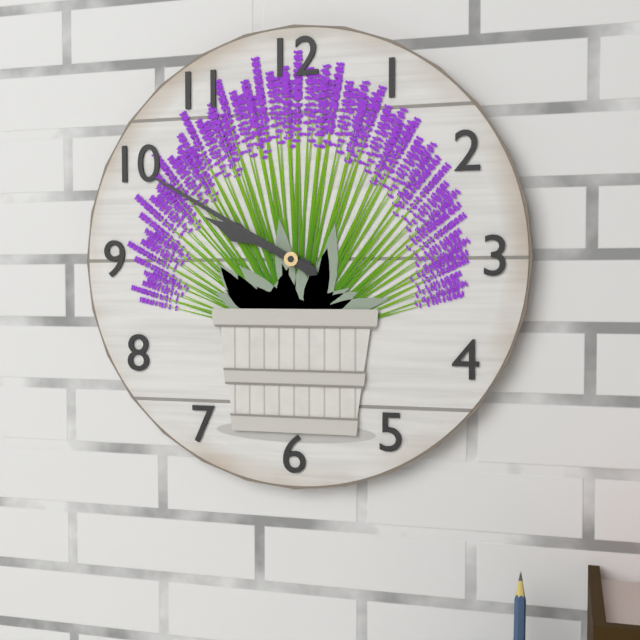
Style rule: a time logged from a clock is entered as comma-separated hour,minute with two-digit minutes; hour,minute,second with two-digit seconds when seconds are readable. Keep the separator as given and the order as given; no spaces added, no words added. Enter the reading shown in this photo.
9,50
